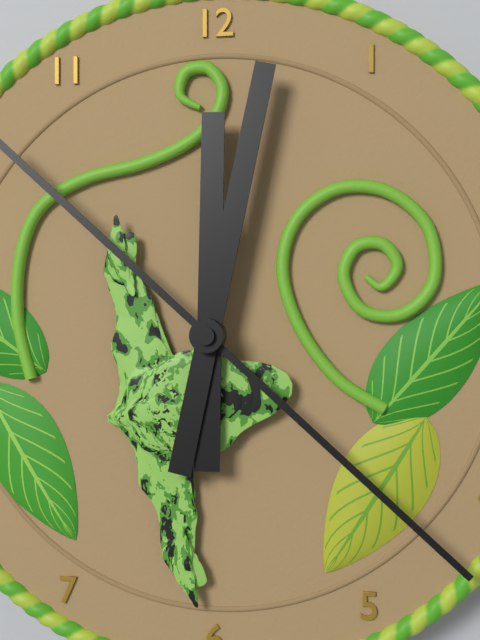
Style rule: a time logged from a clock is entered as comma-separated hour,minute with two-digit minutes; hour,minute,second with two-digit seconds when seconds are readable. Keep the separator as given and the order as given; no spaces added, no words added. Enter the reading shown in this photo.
12,02,22
